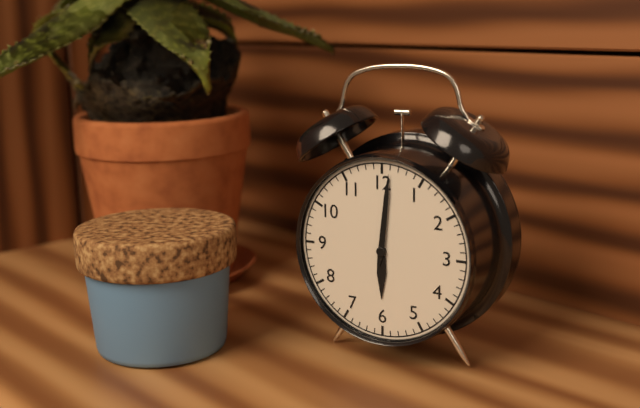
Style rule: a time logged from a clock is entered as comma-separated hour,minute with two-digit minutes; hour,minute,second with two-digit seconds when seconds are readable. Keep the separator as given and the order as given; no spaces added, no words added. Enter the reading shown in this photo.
6,01
